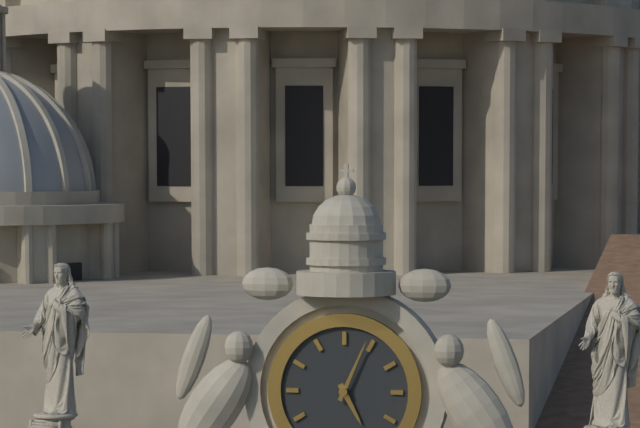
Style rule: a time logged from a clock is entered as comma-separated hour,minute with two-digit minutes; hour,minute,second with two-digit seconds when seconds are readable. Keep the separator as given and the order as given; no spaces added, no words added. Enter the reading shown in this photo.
5,04
